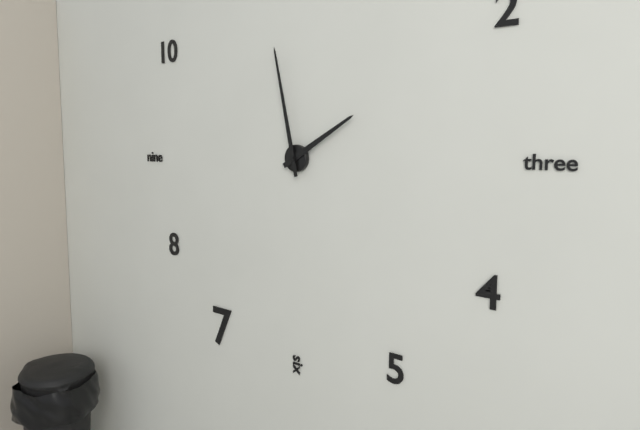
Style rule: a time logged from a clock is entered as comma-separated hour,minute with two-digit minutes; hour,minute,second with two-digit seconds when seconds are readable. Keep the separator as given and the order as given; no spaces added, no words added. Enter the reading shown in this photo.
1,58
